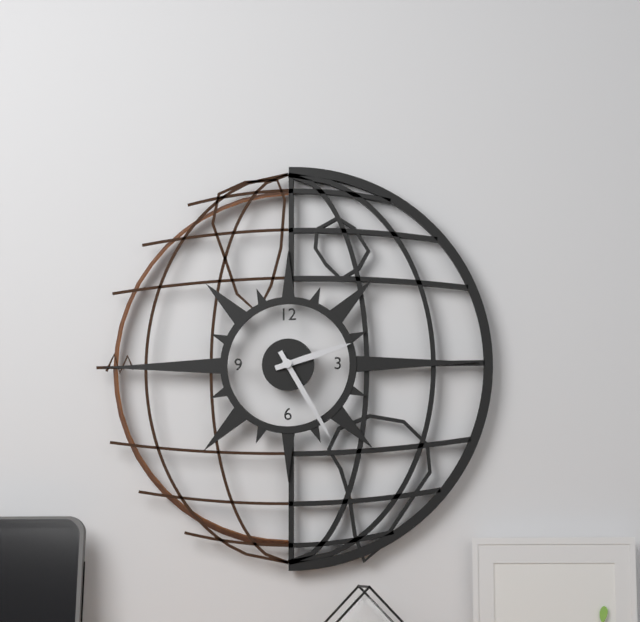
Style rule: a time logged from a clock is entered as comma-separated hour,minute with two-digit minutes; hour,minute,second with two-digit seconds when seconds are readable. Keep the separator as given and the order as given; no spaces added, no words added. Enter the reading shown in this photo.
2,25
